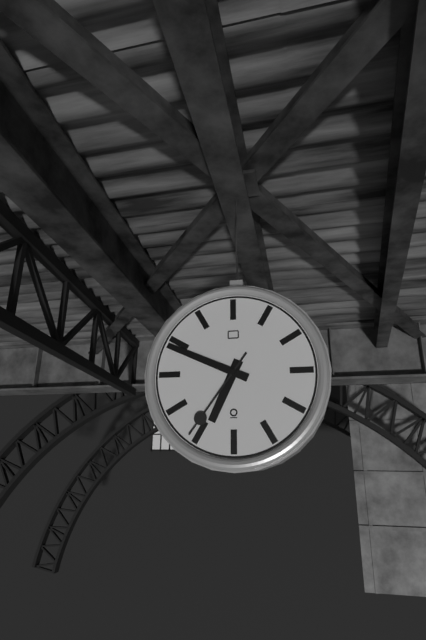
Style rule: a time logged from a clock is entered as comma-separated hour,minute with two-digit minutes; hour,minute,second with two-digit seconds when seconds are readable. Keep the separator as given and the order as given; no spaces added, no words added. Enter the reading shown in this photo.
6,49,36
